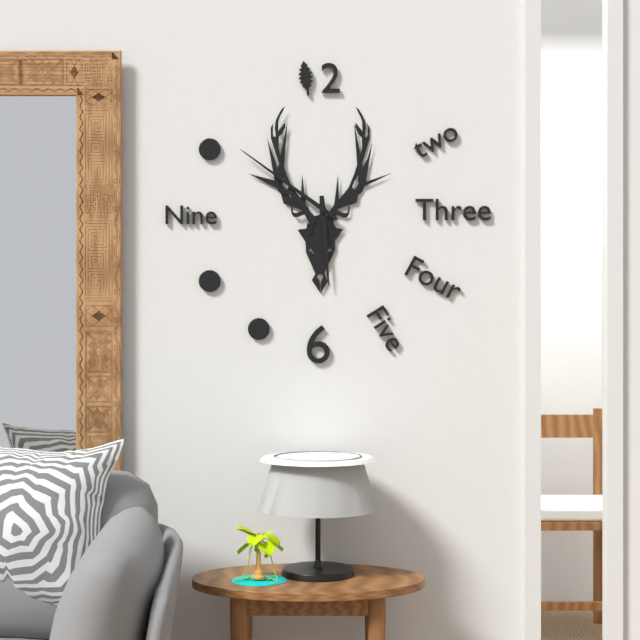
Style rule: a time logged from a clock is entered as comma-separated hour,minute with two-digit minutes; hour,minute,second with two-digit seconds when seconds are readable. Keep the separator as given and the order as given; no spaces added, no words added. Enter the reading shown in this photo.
5,51
